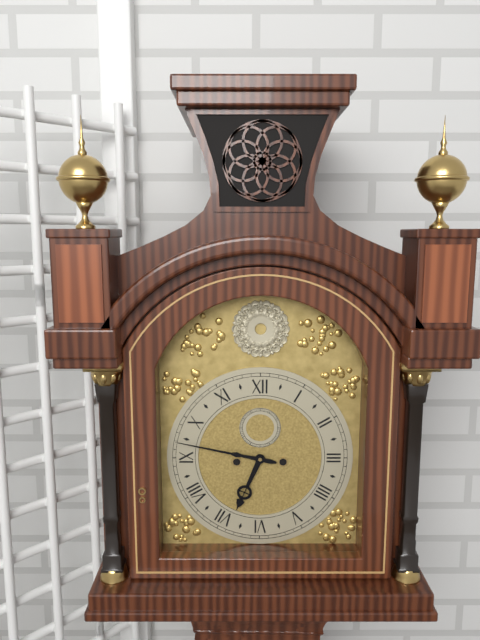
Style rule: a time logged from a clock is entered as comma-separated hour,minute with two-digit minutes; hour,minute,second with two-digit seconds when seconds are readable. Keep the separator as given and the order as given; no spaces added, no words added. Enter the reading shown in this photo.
6,47
